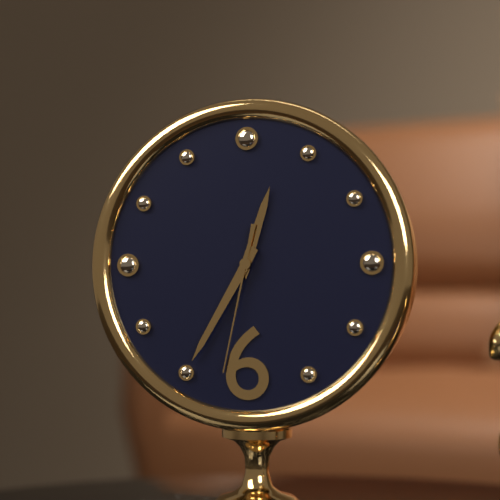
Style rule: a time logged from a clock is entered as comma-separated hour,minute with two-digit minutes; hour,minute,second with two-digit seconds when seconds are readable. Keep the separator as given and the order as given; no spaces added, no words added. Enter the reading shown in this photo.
12,35,32
